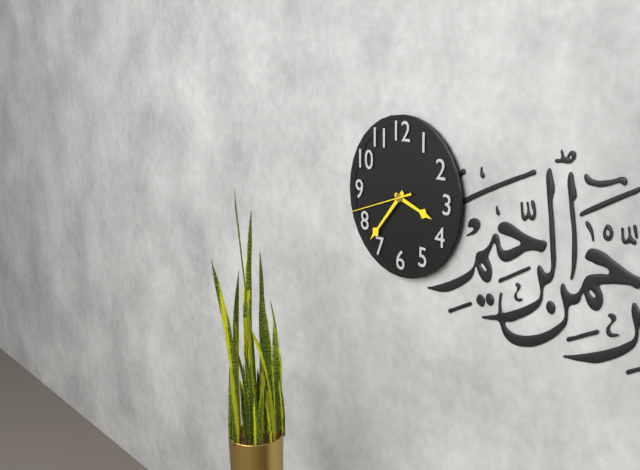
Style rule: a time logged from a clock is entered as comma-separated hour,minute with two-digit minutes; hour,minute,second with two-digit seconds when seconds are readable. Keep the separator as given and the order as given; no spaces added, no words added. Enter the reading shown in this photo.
3,37,42
